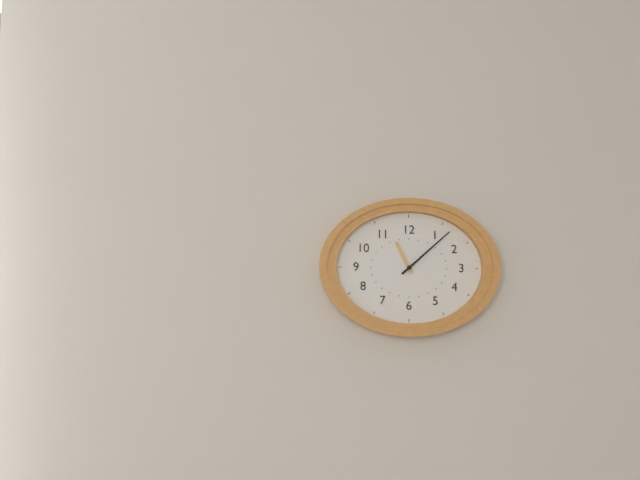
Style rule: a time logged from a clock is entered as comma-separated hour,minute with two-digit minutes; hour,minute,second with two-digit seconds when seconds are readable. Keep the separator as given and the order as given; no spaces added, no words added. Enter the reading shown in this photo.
11,08
